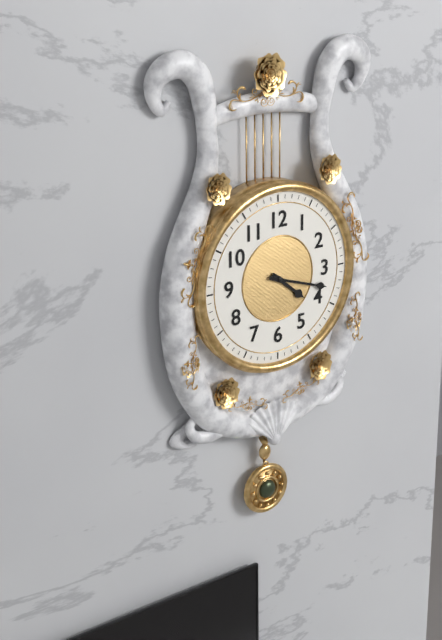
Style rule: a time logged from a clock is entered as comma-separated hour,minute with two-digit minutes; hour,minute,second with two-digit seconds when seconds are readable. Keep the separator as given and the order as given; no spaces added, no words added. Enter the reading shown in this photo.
4,18
